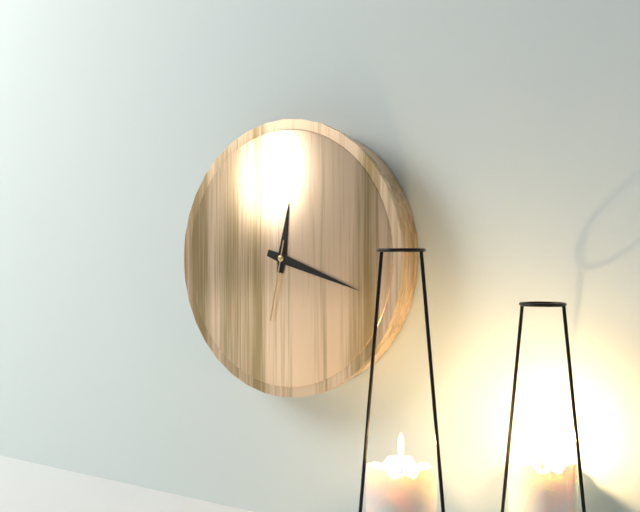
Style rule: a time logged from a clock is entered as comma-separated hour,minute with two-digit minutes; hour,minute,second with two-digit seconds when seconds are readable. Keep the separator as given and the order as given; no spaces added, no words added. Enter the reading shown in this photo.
12,18,32
